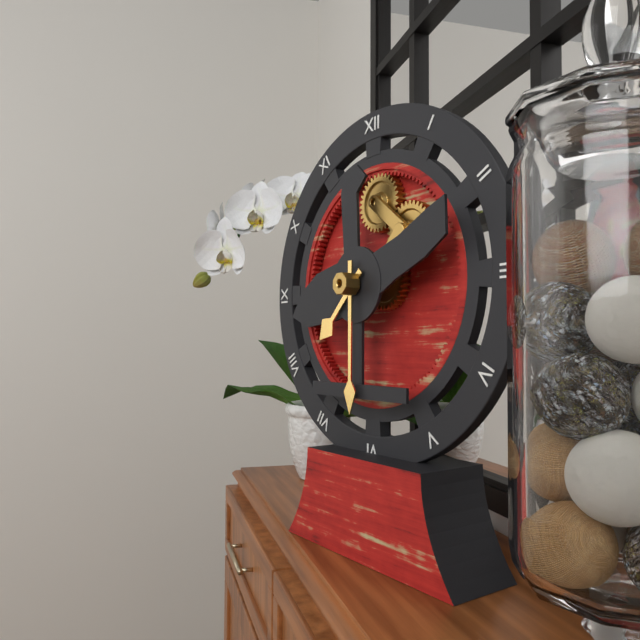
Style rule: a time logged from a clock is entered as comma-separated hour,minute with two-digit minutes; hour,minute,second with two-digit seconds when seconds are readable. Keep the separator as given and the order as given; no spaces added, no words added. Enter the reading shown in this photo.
7,30
